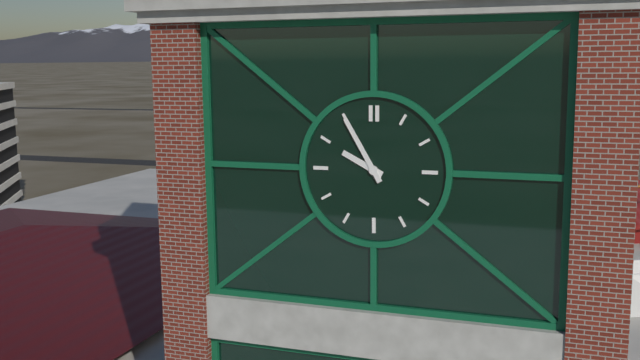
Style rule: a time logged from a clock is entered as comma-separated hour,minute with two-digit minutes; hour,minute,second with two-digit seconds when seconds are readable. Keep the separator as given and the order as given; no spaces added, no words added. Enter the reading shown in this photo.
9,55
